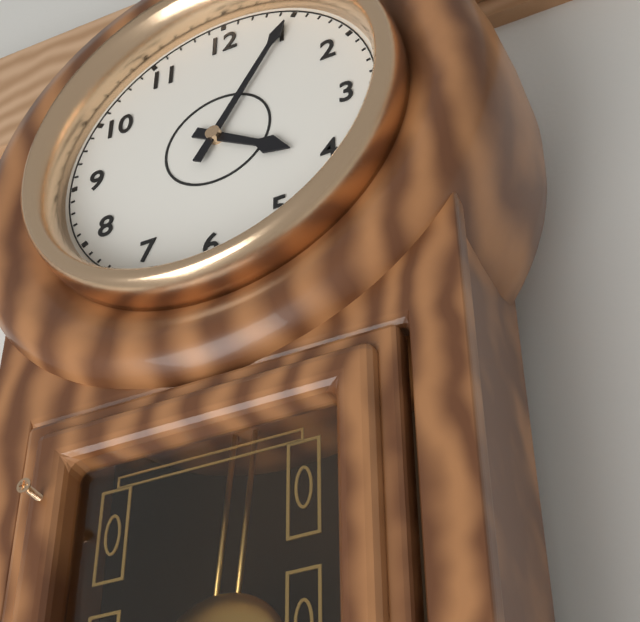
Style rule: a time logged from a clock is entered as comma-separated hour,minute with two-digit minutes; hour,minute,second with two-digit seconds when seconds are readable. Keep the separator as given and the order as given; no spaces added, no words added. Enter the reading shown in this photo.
4,05
